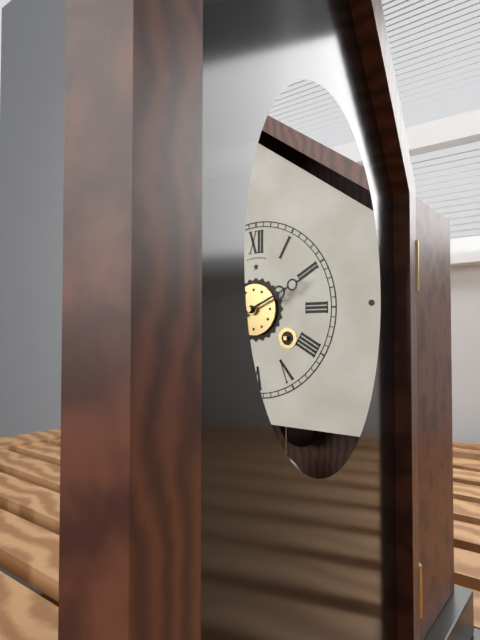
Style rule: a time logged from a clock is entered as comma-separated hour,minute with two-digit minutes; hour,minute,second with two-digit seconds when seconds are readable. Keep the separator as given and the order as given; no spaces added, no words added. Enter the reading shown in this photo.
2,11
